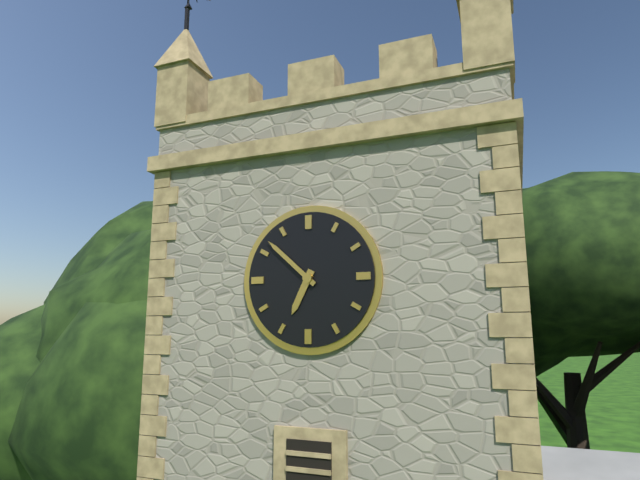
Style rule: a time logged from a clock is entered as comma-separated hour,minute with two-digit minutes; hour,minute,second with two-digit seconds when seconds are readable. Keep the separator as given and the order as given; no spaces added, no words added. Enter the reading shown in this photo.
6,52
